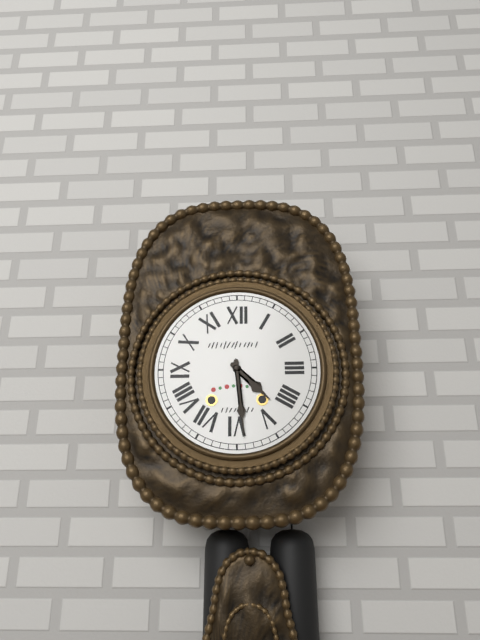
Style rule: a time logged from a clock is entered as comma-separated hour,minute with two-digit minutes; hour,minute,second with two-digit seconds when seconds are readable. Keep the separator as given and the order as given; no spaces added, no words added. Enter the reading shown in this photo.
4,29
